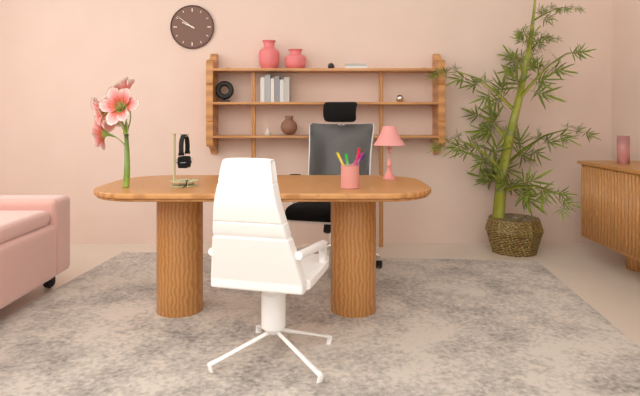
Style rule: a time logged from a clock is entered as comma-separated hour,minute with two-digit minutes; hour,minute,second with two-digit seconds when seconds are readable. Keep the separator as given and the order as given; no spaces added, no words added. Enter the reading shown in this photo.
9,51
